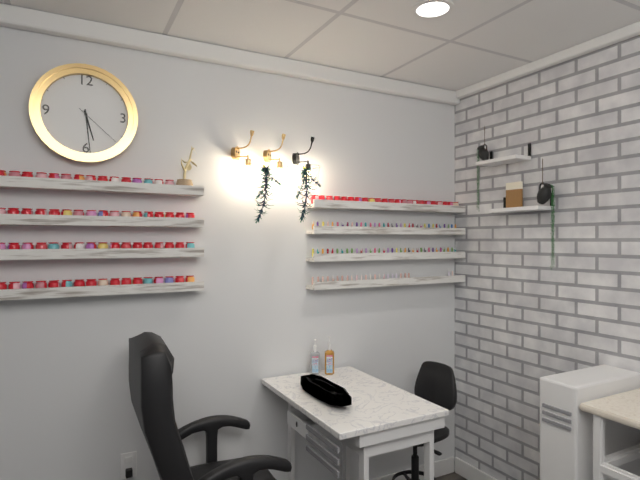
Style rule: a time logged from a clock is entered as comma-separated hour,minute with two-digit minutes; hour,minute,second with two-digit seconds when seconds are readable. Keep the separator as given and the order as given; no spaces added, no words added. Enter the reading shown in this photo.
5,29,22
